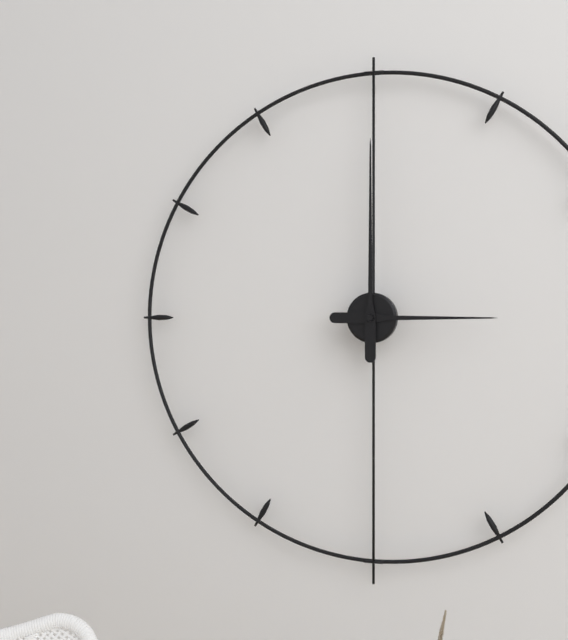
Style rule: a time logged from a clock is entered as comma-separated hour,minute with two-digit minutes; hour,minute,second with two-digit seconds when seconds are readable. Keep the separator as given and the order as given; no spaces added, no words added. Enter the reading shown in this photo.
3,00
